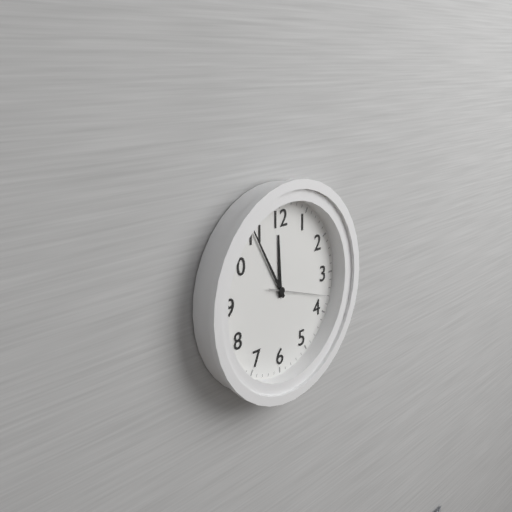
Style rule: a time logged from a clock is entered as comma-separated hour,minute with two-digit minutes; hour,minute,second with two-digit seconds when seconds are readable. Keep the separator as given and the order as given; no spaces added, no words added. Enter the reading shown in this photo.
11,55,18
